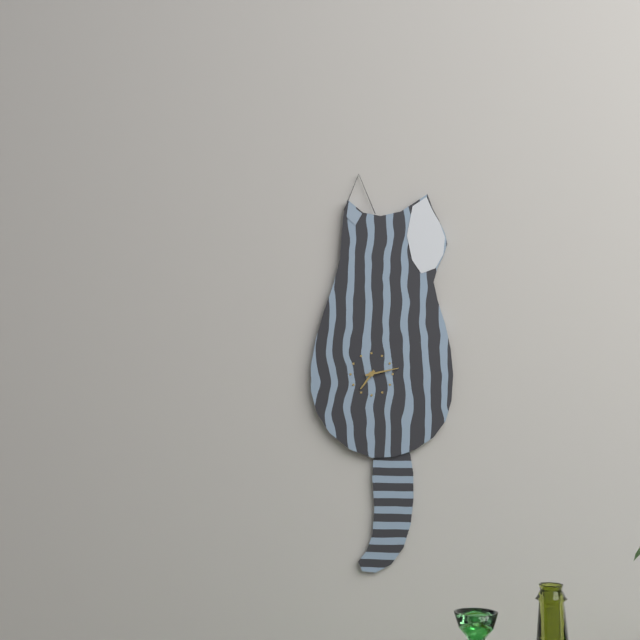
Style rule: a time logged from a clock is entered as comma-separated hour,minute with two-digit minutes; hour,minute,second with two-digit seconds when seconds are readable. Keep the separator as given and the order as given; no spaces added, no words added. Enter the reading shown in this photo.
7,13
